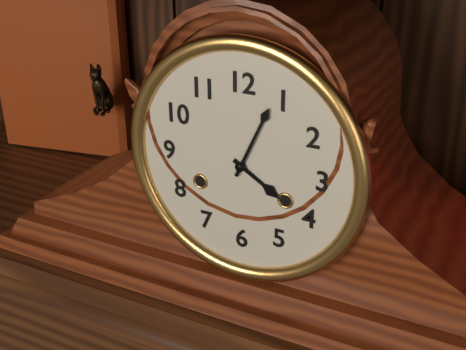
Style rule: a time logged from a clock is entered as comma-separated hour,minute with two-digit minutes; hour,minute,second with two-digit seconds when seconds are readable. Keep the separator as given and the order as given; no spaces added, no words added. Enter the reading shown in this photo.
4,04
